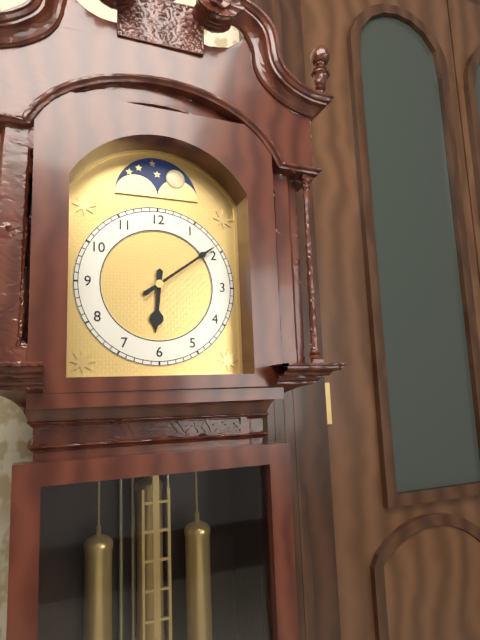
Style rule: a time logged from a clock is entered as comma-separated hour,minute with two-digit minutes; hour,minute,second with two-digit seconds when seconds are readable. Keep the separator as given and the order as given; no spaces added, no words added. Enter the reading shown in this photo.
6,09
